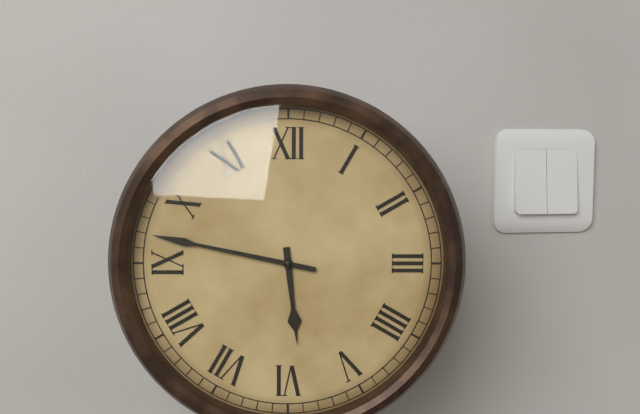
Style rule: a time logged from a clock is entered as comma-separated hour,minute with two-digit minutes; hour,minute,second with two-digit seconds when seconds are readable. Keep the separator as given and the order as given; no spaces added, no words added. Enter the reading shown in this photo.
5,47
